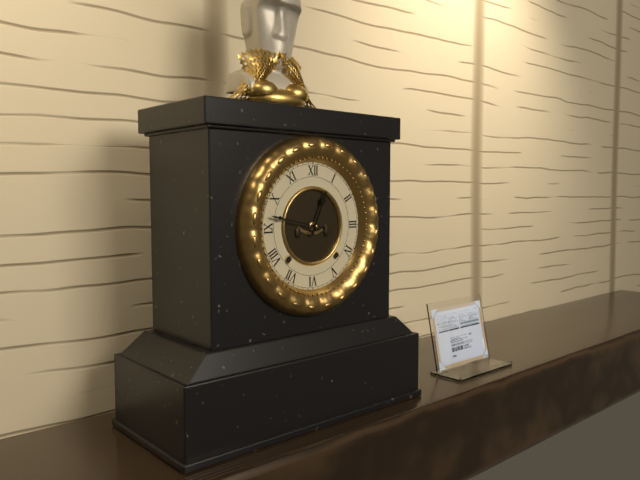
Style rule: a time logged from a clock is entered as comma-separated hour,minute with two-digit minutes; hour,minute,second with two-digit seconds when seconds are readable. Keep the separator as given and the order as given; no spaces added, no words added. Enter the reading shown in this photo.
12,47
